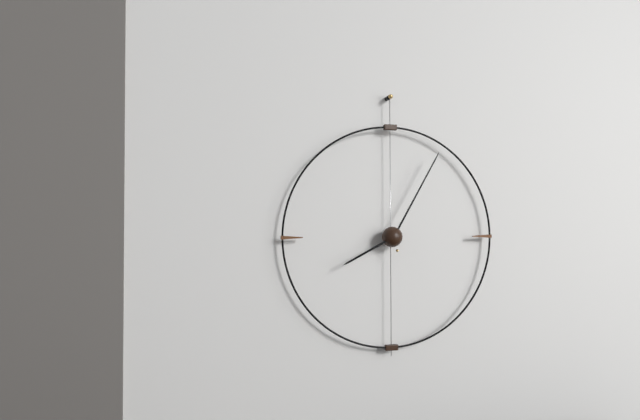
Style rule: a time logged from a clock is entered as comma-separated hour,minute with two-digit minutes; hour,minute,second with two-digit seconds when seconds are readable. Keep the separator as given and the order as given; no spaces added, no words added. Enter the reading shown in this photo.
8,05
